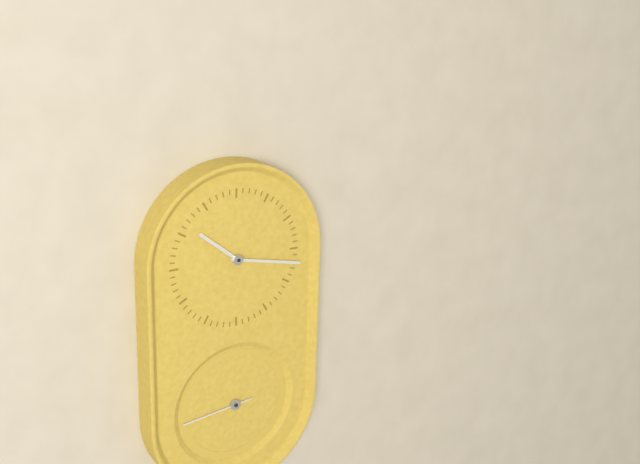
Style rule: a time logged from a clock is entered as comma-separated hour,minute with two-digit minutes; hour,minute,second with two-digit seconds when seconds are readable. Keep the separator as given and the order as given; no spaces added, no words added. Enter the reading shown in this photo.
10,17,44
